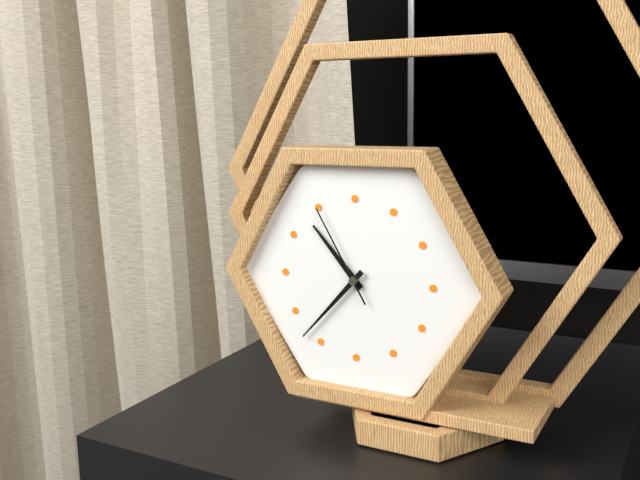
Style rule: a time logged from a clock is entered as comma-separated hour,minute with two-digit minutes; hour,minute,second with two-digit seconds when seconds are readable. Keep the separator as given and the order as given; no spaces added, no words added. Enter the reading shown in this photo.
10,37,55
